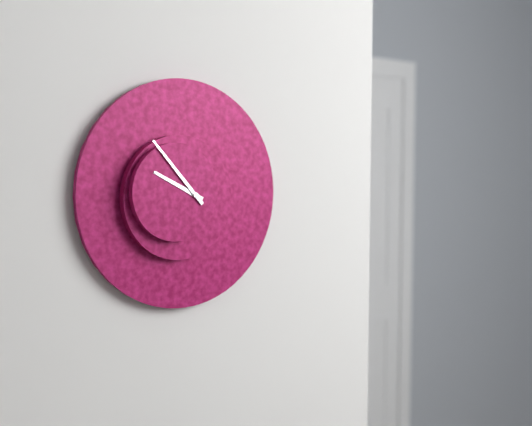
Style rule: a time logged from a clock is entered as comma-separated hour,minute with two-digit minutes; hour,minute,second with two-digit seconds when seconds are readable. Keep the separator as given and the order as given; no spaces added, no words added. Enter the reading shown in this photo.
9,53
